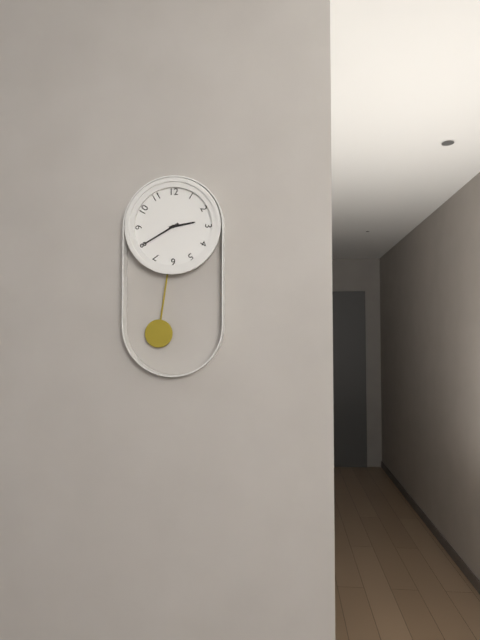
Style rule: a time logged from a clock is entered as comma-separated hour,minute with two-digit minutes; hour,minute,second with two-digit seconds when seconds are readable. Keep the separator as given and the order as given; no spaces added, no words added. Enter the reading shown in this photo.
2,40
